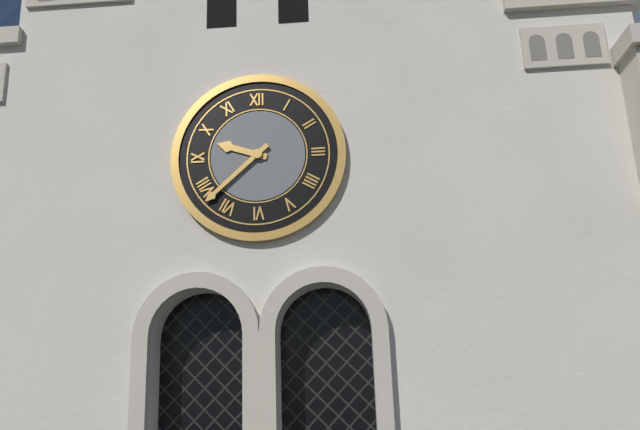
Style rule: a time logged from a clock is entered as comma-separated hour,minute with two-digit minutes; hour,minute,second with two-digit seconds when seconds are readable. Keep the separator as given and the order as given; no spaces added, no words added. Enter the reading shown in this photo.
9,38
